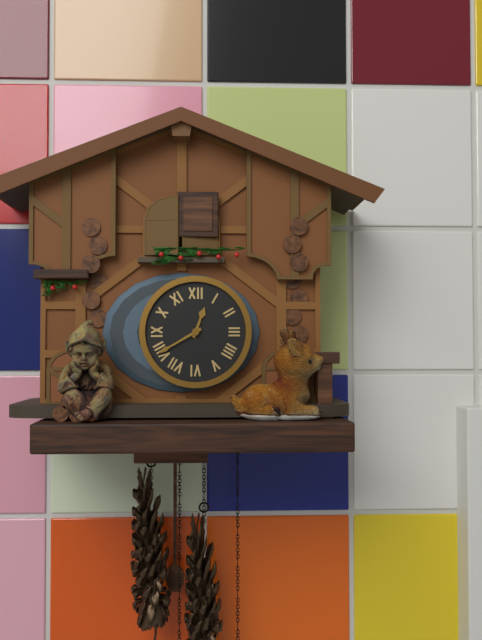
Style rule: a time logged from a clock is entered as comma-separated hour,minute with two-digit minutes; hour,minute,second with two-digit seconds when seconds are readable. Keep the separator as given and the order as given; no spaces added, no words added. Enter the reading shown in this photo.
12,40
